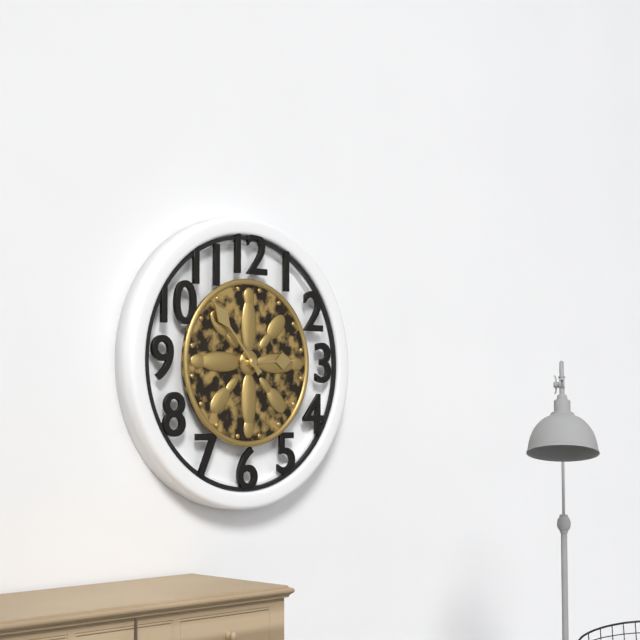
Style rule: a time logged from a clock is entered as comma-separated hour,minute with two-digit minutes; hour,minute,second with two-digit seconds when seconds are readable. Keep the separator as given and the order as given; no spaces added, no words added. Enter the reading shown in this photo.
2,53
